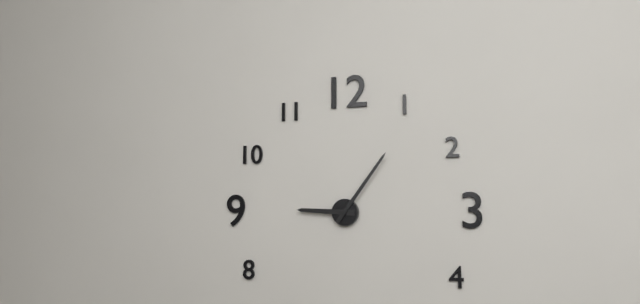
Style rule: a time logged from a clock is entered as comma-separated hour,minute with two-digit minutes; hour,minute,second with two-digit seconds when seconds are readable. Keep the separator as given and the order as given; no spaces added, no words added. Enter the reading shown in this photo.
9,06
